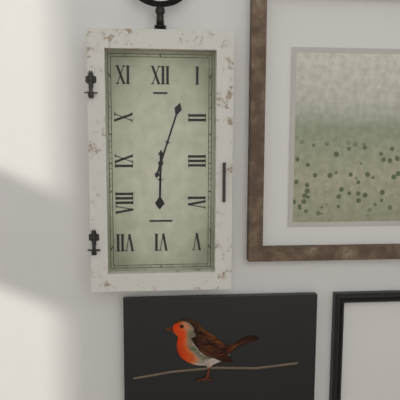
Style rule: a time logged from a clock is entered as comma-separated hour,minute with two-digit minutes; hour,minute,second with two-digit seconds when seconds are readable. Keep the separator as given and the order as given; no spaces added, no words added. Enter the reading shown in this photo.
6,03
